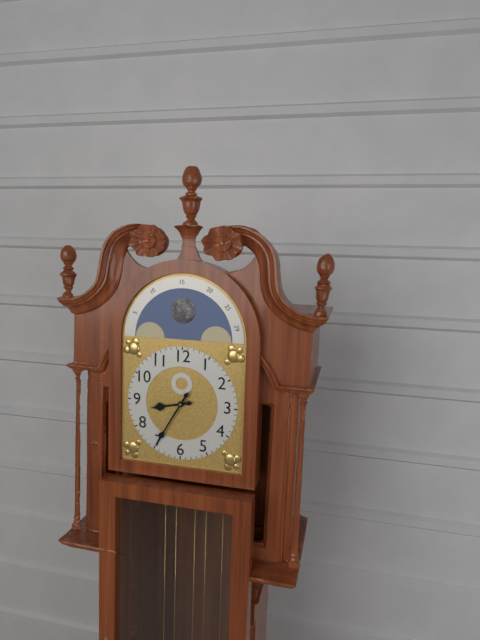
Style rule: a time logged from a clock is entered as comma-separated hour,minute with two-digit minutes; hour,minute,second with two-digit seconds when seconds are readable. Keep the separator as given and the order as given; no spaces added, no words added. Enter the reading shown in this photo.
8,35
